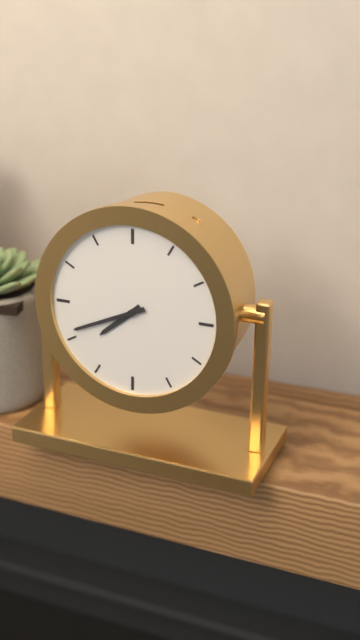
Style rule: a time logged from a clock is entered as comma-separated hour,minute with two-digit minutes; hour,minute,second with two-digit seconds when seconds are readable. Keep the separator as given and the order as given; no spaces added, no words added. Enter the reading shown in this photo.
7,41
